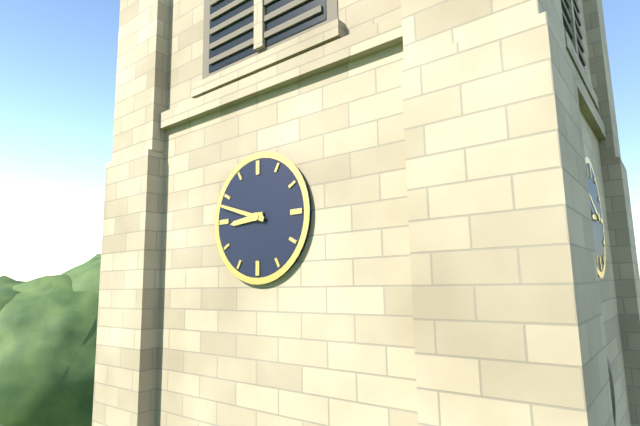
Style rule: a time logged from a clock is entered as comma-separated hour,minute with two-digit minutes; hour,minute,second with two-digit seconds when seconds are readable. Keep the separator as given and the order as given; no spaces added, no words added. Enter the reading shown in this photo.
8,48
